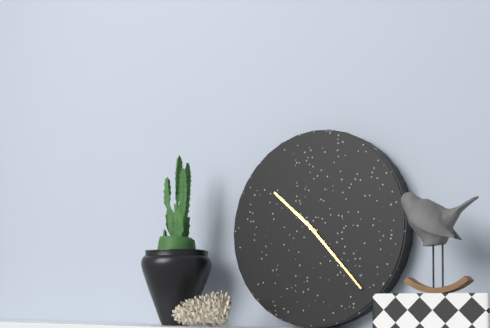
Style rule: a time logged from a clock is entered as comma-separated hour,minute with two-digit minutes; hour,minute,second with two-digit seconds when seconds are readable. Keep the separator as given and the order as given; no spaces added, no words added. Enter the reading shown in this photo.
10,23
